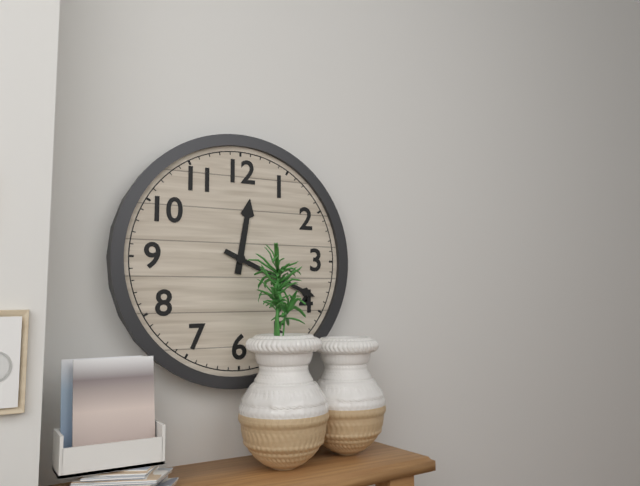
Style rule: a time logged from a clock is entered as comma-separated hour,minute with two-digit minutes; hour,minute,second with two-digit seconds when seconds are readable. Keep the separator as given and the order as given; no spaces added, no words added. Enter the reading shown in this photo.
12,19
